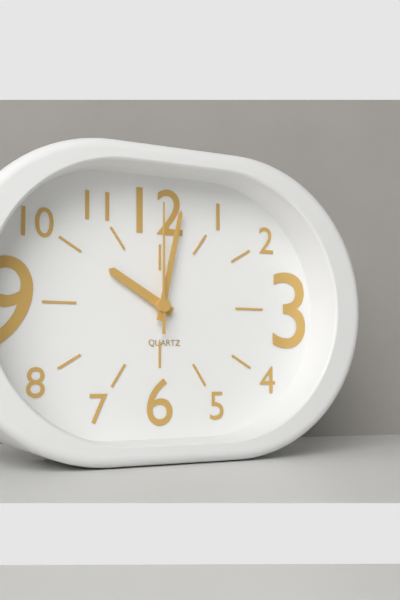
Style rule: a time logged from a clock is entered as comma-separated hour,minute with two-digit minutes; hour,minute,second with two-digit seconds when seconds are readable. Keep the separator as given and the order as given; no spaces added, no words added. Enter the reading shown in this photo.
10,02,00
